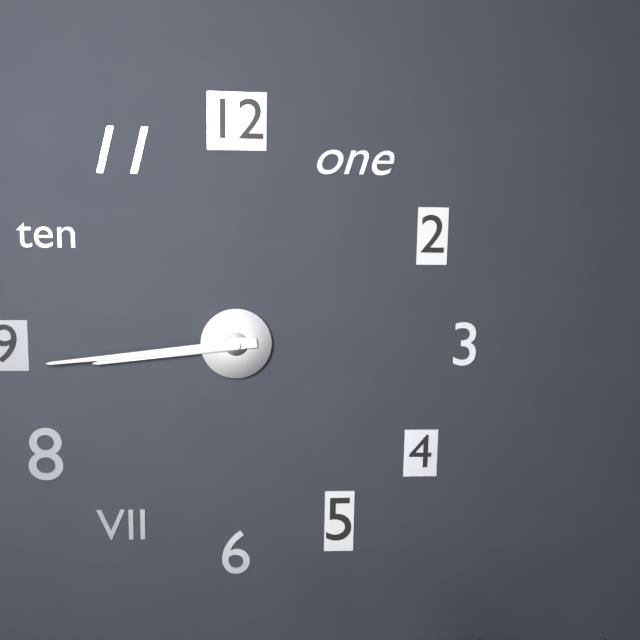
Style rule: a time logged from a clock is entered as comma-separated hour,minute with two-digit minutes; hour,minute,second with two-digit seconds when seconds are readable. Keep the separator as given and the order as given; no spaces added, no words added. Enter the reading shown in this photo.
8,44
